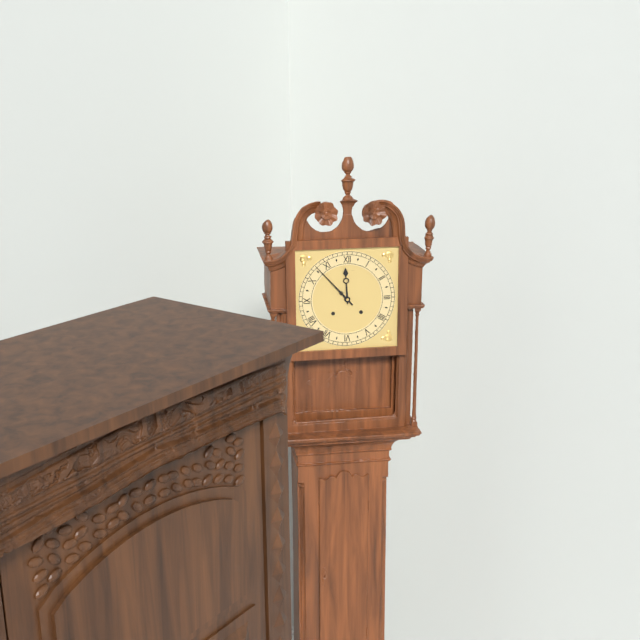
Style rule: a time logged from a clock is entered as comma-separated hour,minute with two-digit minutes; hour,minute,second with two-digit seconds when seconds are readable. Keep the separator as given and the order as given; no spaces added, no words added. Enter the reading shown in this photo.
11,53
